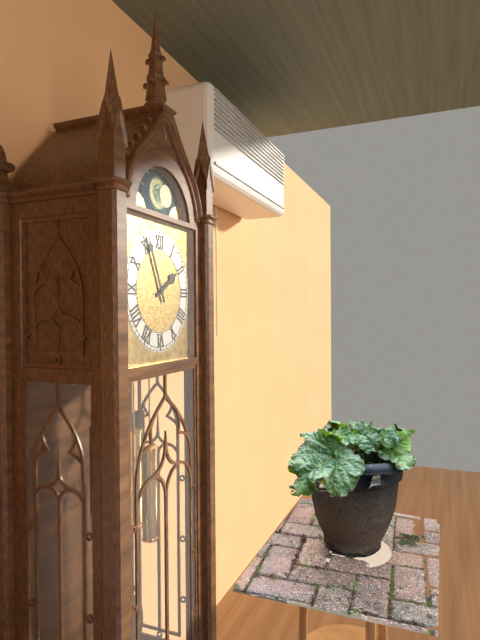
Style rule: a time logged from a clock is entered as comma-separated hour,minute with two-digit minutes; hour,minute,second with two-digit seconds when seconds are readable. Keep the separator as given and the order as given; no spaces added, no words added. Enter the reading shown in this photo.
1,56
